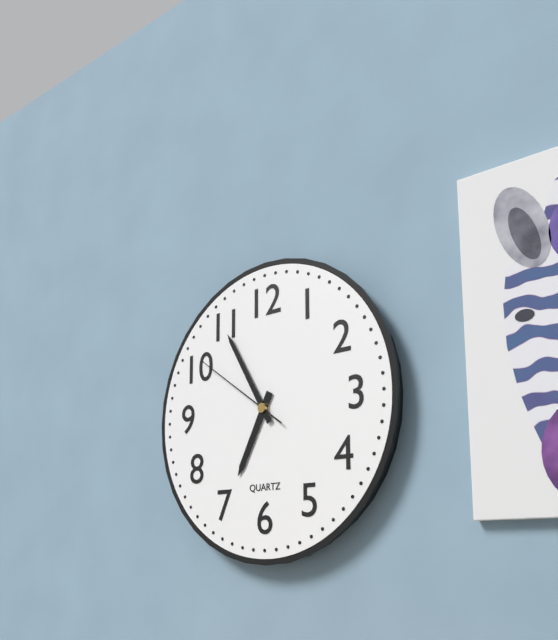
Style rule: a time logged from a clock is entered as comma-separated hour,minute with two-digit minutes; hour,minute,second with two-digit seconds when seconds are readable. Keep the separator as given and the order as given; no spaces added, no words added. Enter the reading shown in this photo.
6,55,51
